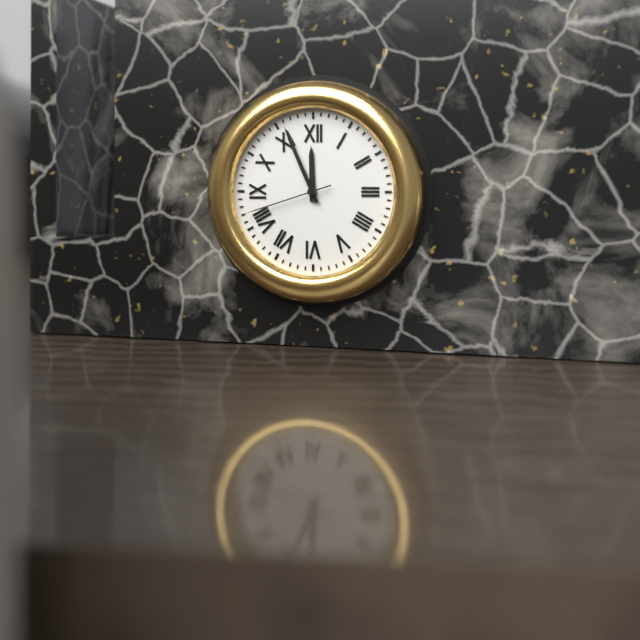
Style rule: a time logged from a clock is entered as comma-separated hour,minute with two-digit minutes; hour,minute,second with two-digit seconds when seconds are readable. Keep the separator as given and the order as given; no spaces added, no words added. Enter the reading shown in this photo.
11,56,42
